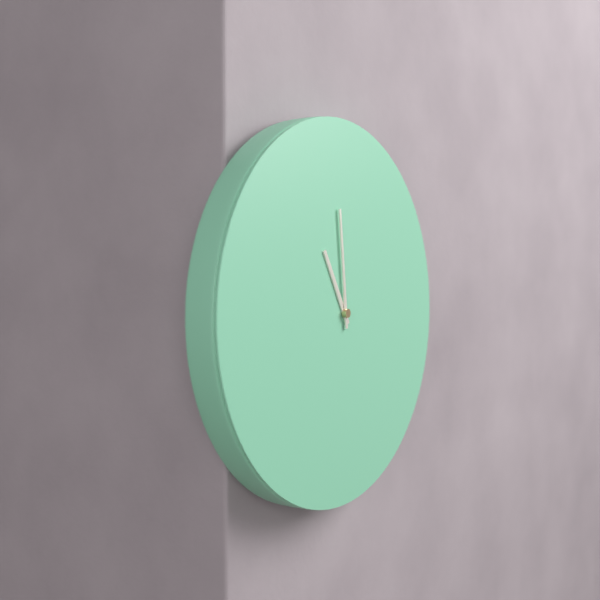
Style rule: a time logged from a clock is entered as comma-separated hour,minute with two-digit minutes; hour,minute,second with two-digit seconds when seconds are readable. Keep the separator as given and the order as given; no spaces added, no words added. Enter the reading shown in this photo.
10,59
